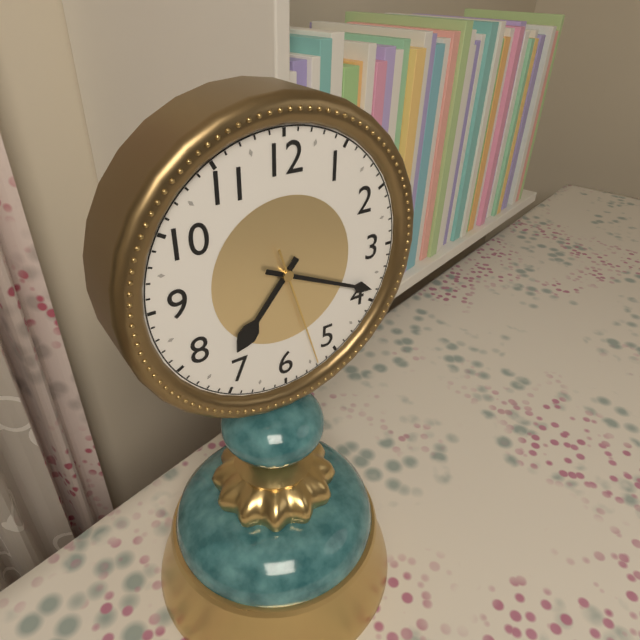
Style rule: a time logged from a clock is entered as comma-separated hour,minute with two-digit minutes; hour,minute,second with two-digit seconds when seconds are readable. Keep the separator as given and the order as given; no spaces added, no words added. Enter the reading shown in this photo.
7,19,27
